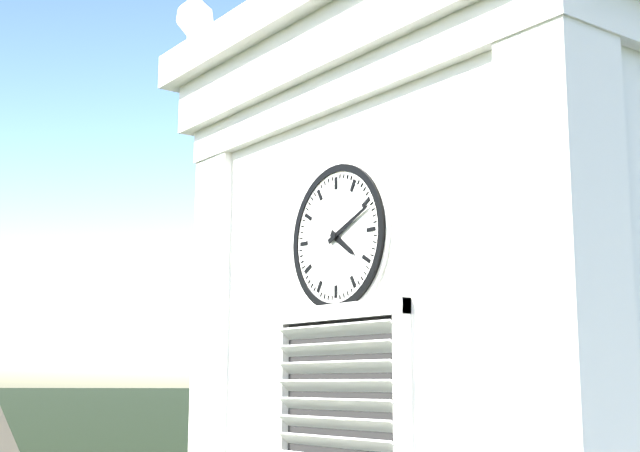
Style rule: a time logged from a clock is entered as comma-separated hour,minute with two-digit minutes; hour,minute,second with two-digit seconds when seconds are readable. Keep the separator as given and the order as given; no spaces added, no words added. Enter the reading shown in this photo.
4,11
